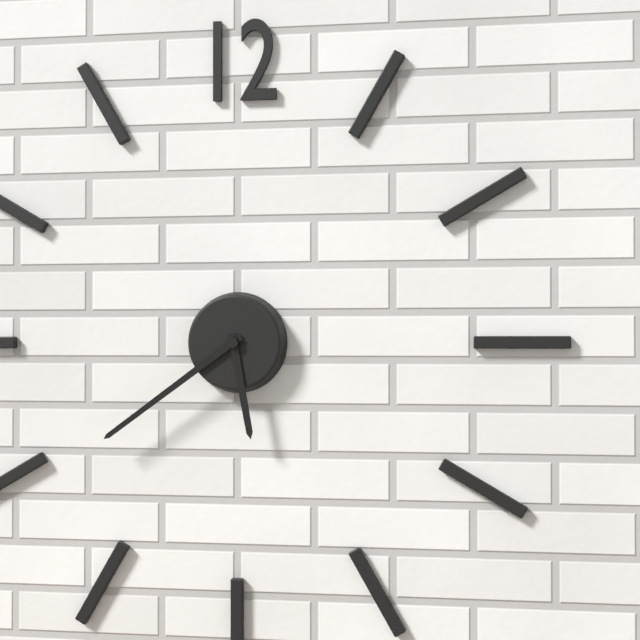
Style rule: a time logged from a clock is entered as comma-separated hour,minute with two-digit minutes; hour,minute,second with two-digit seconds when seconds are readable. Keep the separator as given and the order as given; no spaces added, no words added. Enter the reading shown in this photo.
5,39
